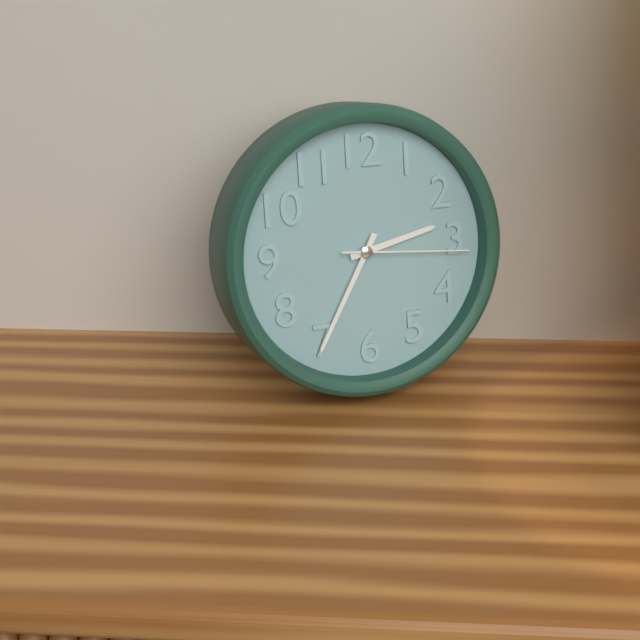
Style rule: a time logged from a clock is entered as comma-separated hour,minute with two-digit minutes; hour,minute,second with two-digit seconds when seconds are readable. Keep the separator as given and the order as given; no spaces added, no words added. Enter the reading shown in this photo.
2,35,16
